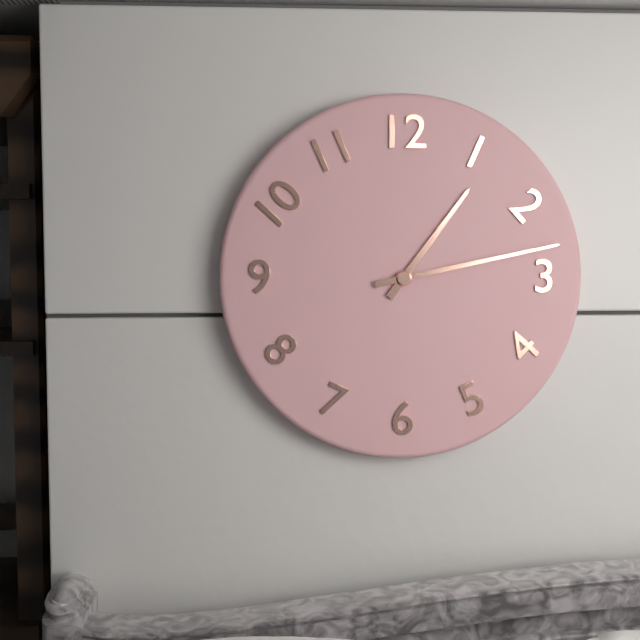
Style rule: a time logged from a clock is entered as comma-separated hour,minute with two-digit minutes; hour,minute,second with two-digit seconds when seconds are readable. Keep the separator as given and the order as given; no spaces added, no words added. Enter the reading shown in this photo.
1,13
